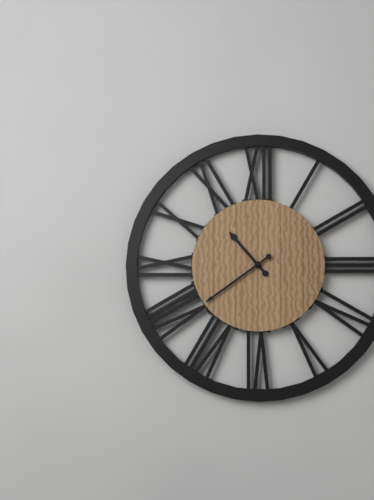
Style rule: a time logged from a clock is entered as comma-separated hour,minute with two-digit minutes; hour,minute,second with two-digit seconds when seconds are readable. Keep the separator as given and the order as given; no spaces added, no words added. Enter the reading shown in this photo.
10,39
